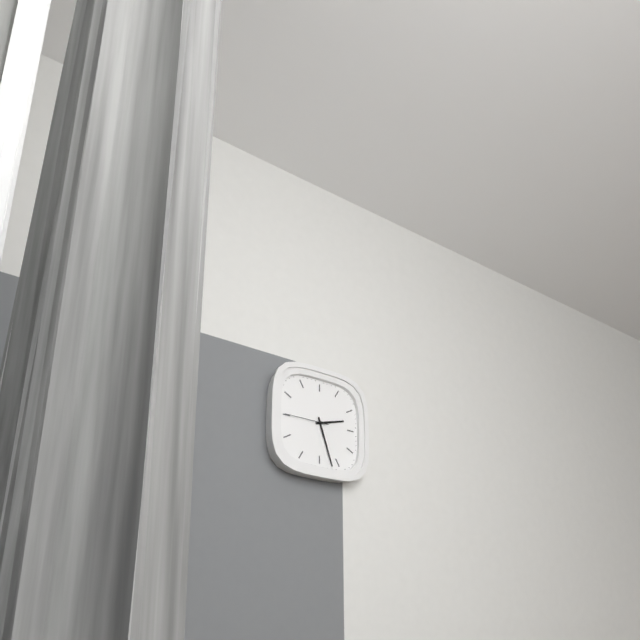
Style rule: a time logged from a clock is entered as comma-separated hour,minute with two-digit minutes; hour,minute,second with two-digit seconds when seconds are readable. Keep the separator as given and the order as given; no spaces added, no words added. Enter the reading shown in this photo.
2,27
